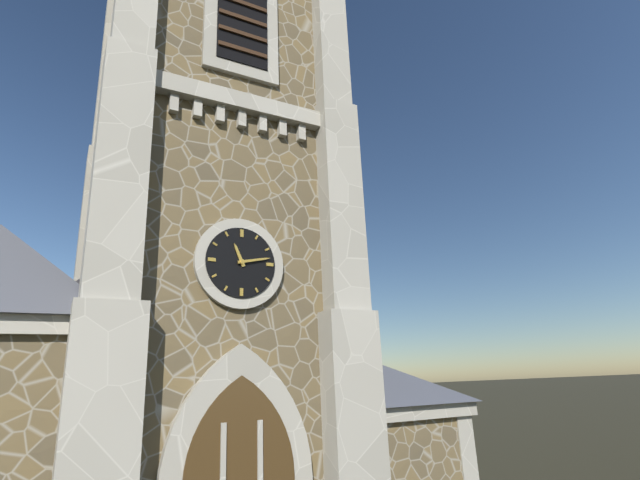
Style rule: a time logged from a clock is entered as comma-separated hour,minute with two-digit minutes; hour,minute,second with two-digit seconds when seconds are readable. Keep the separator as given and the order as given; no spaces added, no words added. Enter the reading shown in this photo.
11,13
